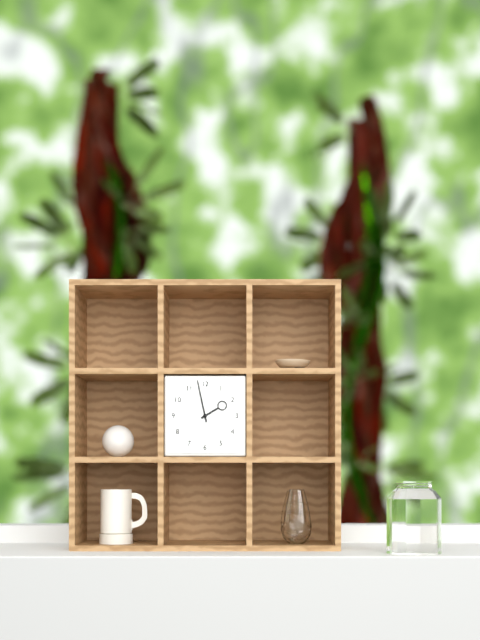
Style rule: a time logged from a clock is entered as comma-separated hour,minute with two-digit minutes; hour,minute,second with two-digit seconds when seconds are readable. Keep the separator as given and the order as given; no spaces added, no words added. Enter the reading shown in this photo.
1,58
